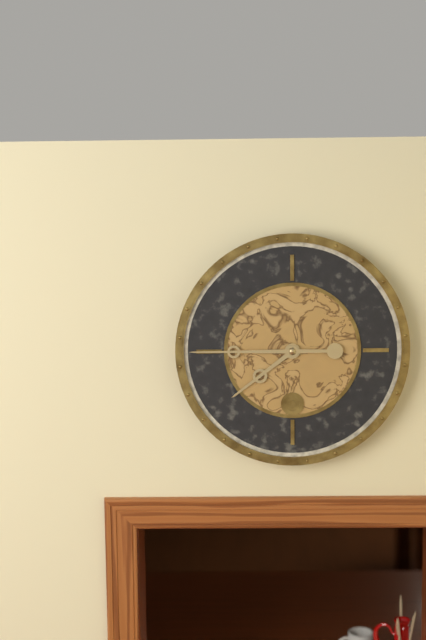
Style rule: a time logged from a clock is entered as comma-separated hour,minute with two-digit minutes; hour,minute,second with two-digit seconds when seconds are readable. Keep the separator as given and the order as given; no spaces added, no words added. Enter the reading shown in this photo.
7,45
